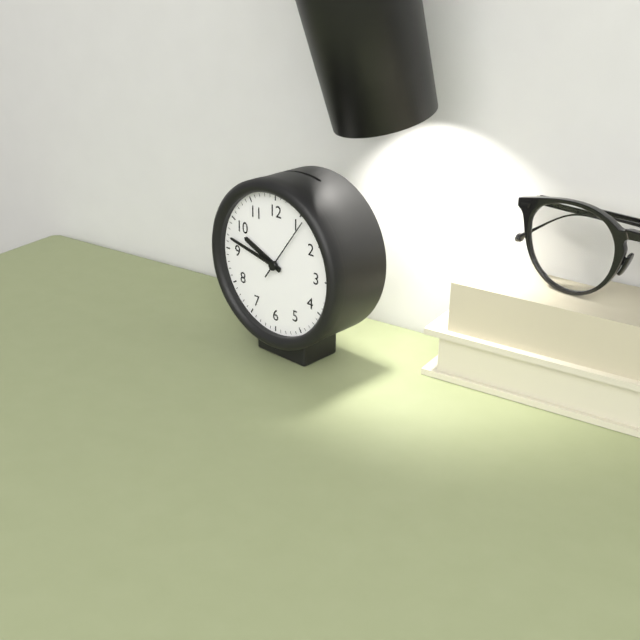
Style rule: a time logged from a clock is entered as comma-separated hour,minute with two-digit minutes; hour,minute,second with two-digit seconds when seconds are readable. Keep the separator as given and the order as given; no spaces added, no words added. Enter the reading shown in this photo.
9,47,06
